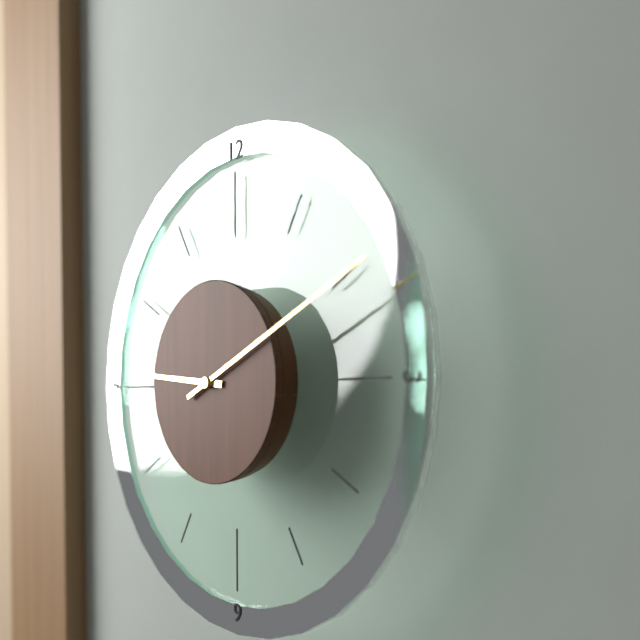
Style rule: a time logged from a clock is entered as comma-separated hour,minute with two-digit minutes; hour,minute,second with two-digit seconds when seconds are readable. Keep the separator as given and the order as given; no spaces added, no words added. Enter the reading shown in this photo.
9,11
